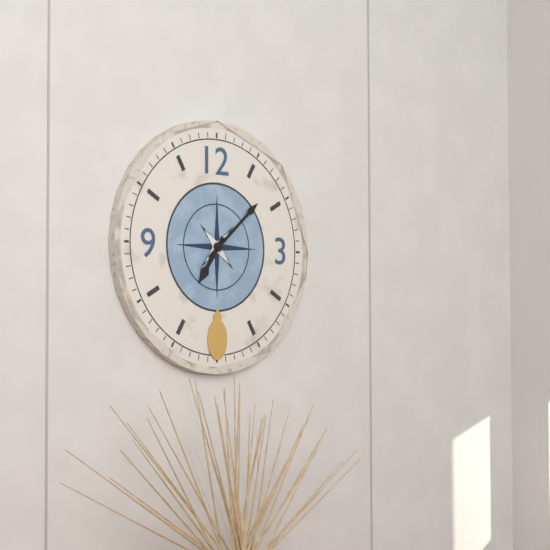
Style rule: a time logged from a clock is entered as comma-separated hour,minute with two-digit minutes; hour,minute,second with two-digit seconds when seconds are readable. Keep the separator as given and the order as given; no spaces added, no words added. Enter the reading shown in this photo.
7,08
